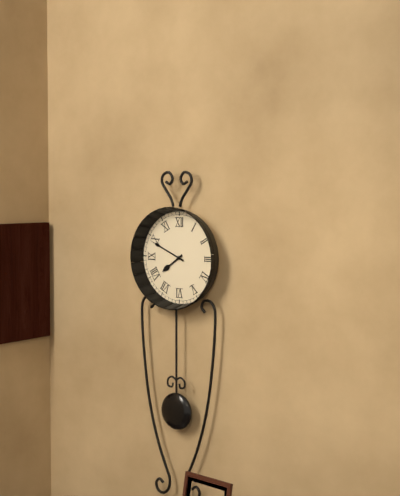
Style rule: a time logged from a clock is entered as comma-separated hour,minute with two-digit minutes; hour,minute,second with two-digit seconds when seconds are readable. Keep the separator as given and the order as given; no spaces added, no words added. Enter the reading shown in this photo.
7,49
